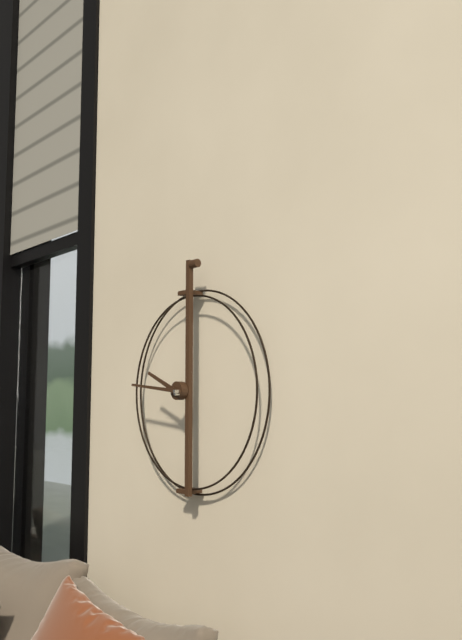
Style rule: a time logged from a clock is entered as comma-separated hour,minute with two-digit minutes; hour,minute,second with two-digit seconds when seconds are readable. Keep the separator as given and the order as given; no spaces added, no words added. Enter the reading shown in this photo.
9,46
